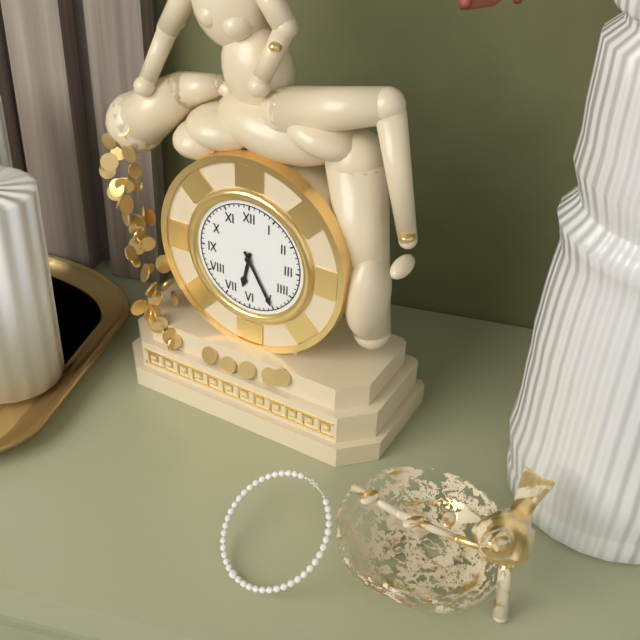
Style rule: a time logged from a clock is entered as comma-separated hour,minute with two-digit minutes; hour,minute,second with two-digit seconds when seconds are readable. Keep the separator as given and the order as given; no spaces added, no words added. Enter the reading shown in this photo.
6,25
